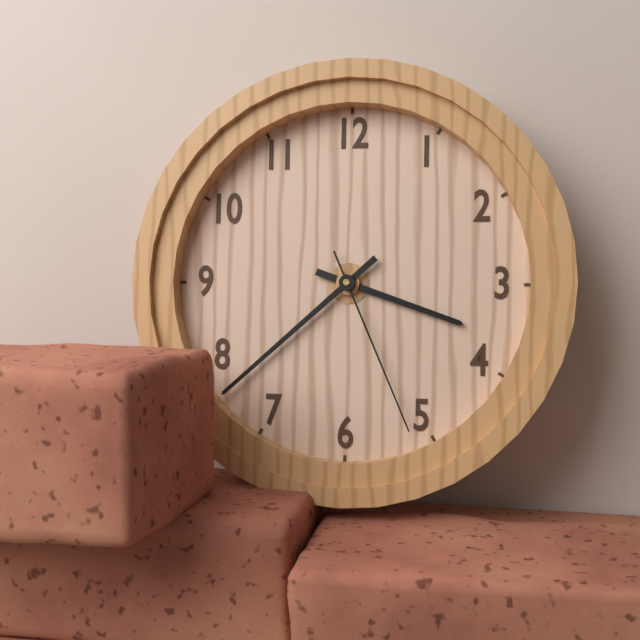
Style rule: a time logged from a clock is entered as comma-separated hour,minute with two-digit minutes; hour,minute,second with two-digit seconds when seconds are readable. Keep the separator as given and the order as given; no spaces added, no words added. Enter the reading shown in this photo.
3,38,26
